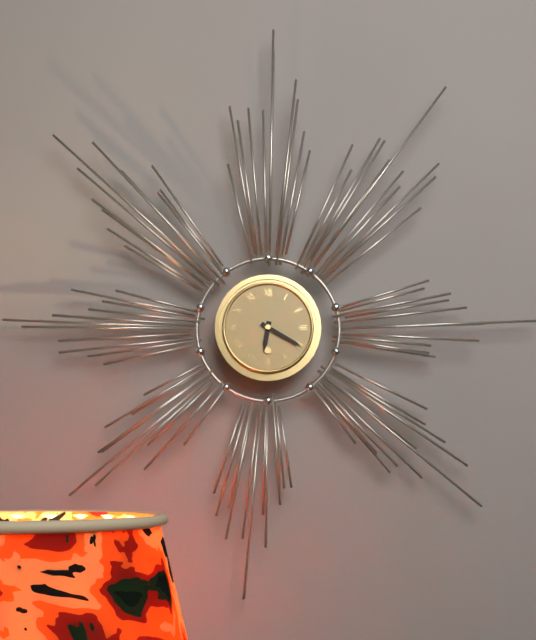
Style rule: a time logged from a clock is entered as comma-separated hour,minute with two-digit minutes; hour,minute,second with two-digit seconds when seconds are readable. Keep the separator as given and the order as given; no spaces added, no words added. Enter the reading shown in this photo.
6,20
